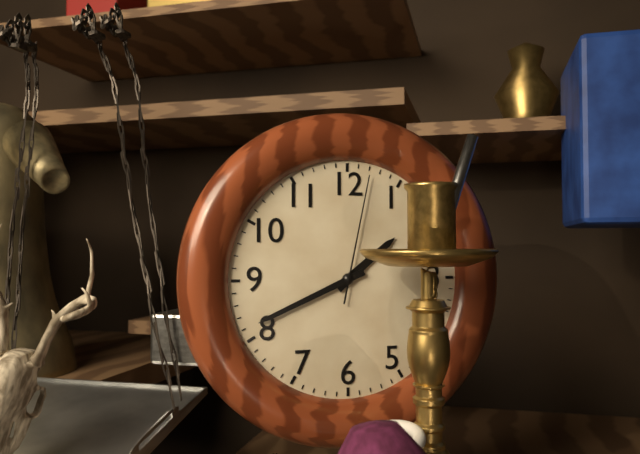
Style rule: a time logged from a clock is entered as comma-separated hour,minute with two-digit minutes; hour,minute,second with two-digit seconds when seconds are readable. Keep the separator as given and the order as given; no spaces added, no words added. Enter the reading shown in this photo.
1,41,02
